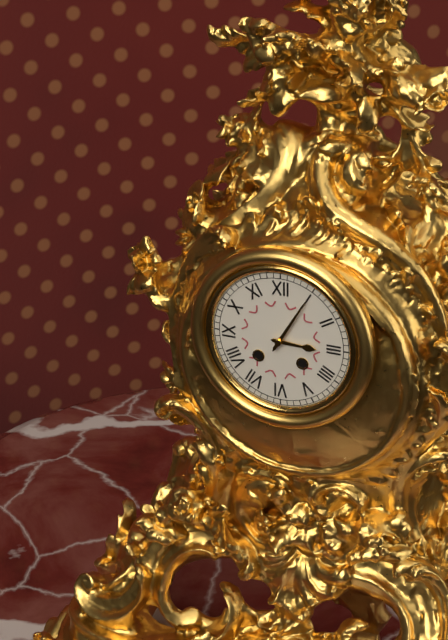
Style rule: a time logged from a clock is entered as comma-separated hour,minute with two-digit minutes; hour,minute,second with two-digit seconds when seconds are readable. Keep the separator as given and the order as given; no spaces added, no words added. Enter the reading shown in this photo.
3,05
